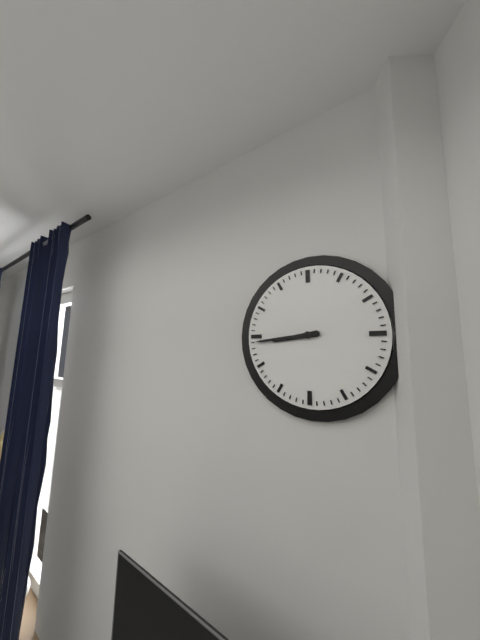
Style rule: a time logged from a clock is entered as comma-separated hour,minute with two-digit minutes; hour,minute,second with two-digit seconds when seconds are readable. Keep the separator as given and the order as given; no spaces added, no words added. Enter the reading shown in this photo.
8,44
